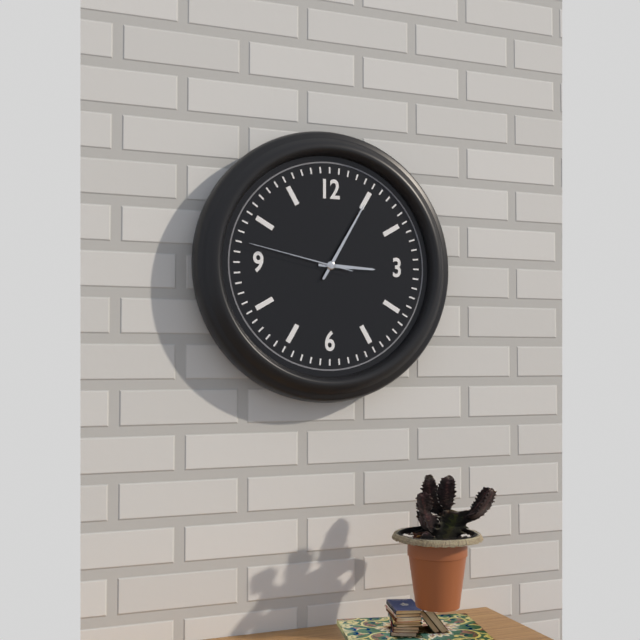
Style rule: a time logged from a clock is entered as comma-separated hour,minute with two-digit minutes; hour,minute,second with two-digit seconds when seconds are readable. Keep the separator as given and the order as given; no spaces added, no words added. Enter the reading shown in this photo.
3,05,47
